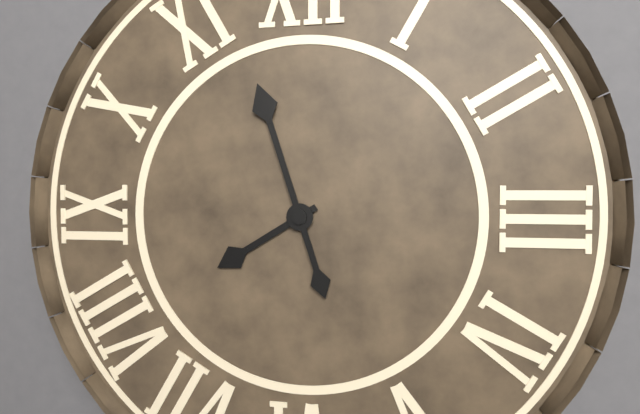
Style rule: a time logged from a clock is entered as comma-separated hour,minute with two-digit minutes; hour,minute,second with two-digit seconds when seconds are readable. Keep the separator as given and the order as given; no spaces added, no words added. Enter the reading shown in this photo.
7,57
